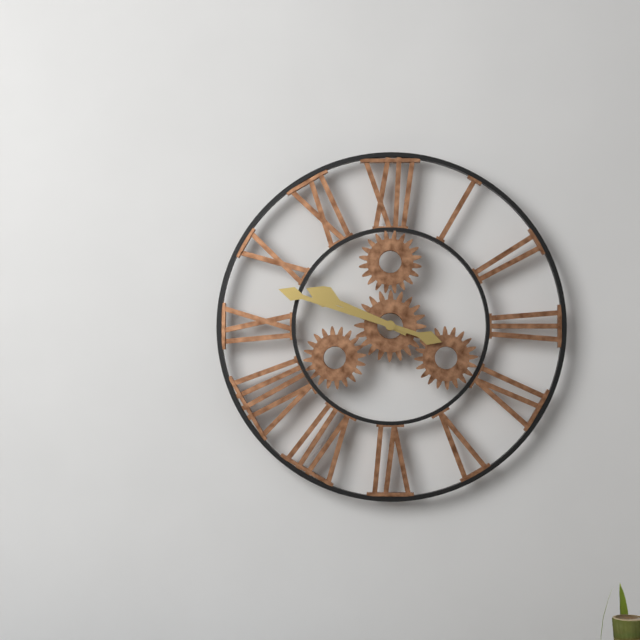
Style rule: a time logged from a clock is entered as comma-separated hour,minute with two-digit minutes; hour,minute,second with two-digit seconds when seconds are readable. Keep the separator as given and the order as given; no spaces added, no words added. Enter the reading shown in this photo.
9,48
